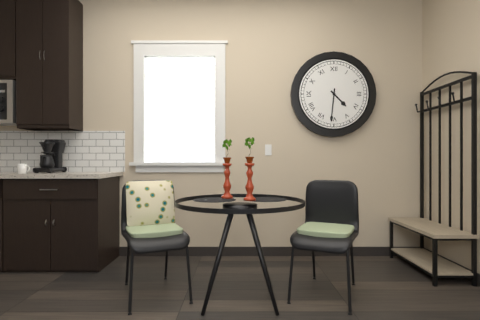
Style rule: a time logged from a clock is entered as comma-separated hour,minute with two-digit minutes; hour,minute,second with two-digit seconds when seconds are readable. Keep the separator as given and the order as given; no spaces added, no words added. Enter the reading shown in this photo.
4,31
